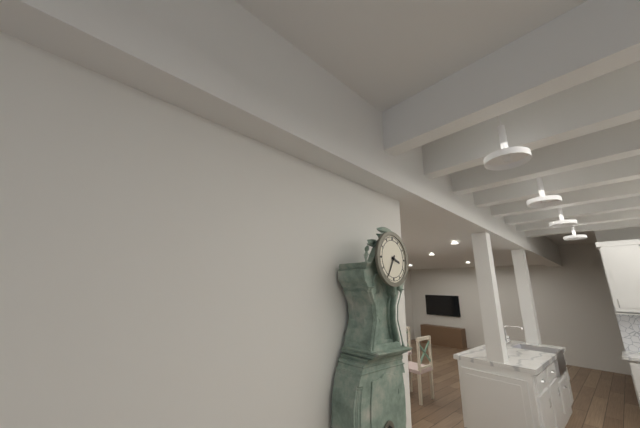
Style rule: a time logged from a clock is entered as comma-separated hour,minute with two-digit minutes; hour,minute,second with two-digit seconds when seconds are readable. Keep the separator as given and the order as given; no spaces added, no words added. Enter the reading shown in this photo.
3,35
